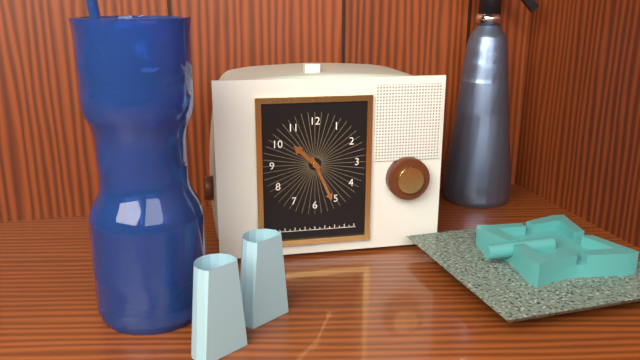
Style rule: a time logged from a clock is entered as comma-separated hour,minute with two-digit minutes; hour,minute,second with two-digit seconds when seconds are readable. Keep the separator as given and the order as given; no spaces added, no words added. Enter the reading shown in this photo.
10,26
